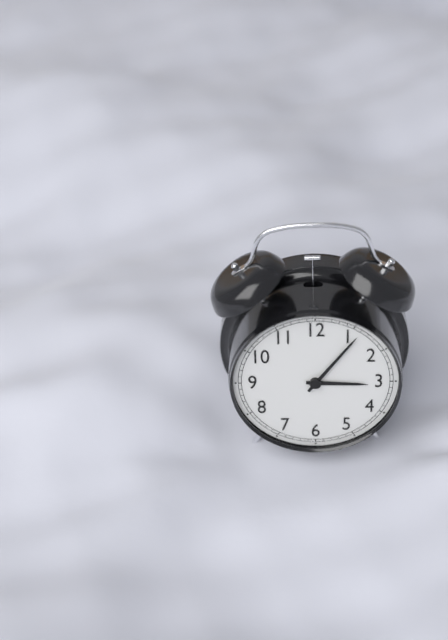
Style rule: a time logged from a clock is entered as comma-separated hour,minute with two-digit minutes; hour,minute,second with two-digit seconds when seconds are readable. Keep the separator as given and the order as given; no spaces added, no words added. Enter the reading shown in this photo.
3,06
